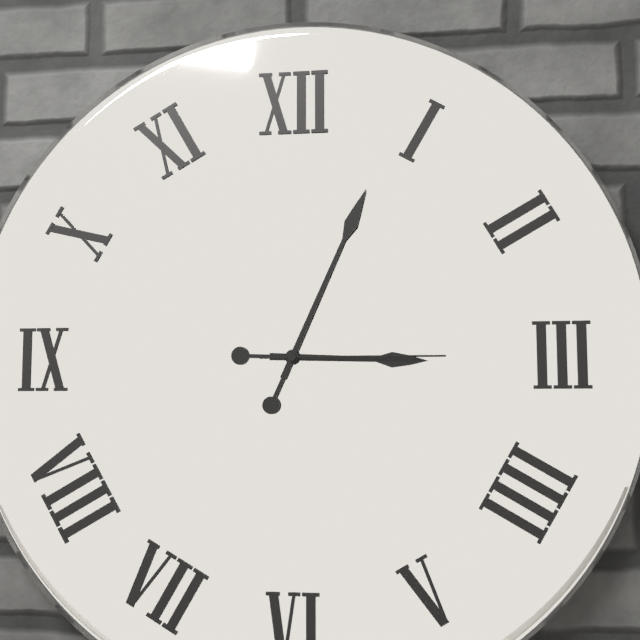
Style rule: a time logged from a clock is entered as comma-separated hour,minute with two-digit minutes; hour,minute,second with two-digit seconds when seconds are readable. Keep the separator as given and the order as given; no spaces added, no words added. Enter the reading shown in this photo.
3,04,15
